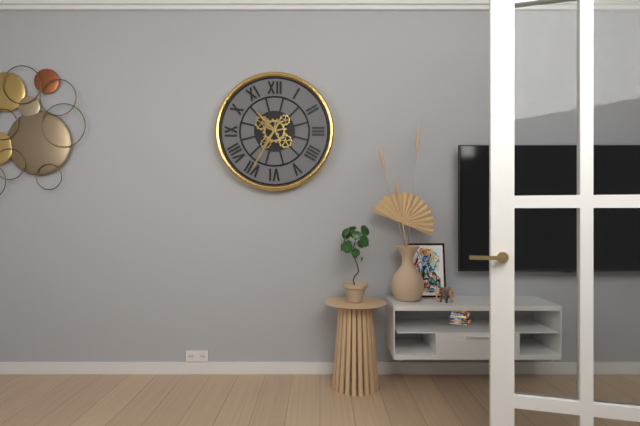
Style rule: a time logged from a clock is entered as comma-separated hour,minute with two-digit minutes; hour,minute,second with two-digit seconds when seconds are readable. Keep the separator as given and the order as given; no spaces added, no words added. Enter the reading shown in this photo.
10,35
